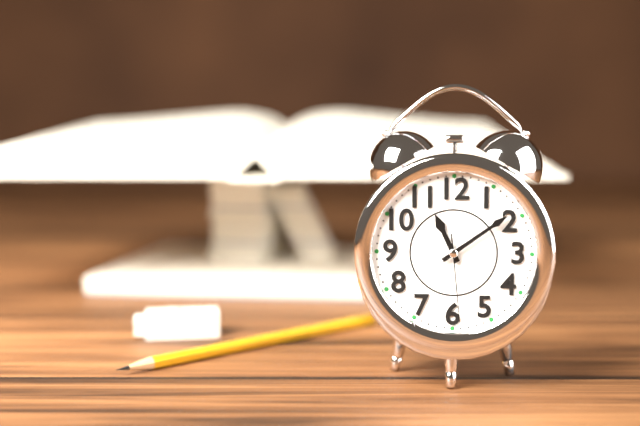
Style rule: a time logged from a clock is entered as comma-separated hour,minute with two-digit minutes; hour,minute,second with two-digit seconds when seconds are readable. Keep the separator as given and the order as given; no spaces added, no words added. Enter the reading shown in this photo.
11,09,29
